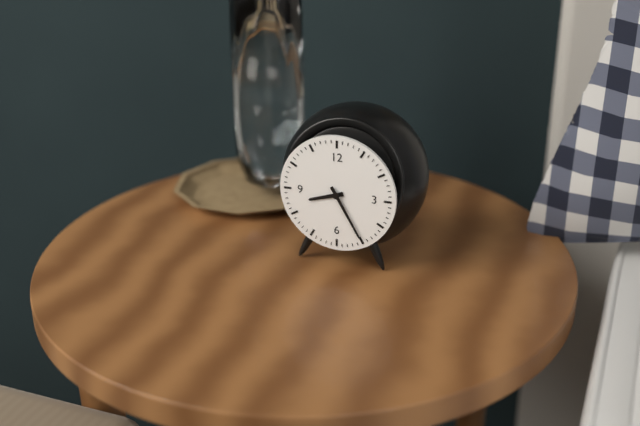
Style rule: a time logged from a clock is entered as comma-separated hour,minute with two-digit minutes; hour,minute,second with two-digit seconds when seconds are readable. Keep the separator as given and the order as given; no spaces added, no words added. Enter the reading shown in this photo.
8,25
